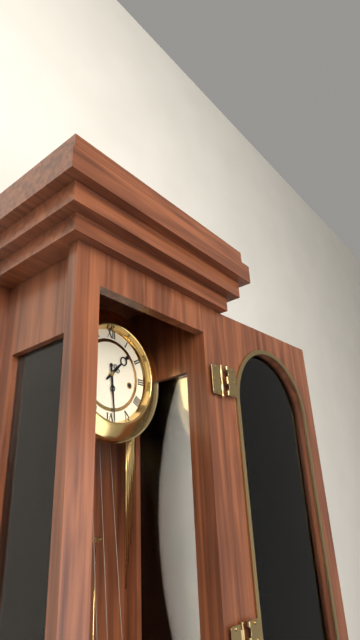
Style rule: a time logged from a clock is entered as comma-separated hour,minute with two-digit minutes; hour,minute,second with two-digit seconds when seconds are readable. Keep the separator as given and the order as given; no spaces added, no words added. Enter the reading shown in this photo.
1,29
